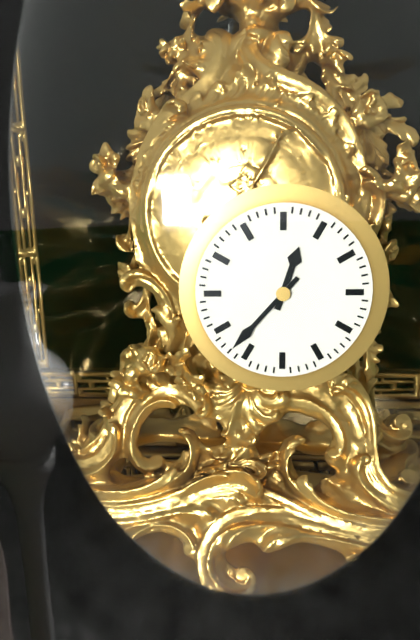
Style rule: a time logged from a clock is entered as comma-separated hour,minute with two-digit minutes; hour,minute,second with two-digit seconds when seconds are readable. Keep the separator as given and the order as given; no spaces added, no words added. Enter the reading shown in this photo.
12,37
